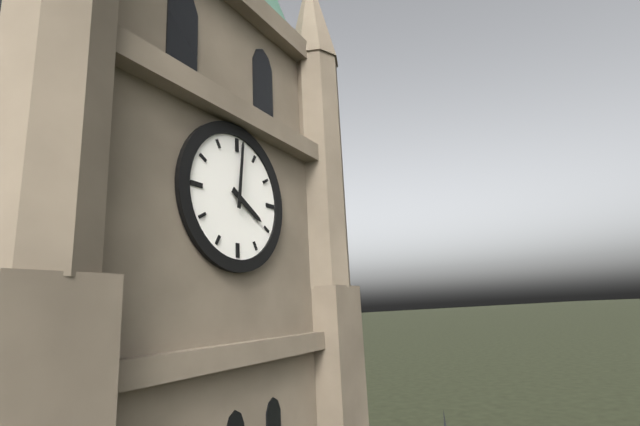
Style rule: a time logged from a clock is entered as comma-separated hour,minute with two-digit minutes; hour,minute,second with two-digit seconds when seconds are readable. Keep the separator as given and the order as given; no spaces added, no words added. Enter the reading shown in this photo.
4,01
